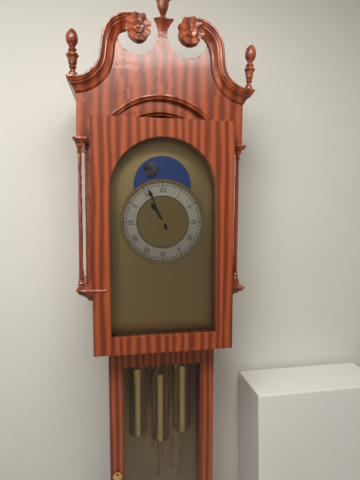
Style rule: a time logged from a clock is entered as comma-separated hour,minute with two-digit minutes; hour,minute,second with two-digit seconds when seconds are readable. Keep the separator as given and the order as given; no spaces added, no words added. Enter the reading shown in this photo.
10,56
